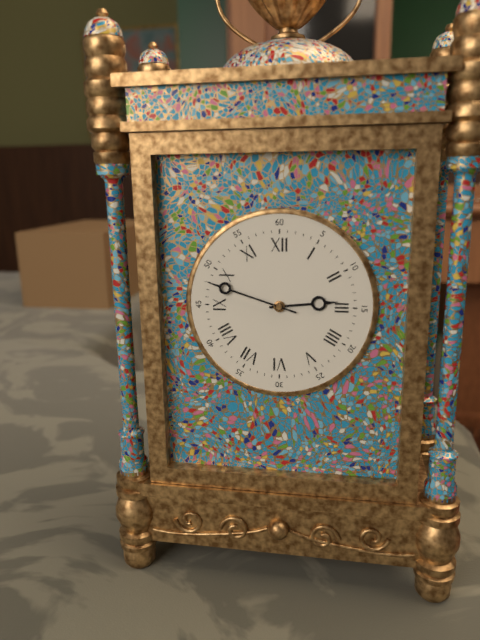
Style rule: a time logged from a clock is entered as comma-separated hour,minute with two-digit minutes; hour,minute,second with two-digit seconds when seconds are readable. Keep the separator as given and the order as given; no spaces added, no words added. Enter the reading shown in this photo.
2,48
